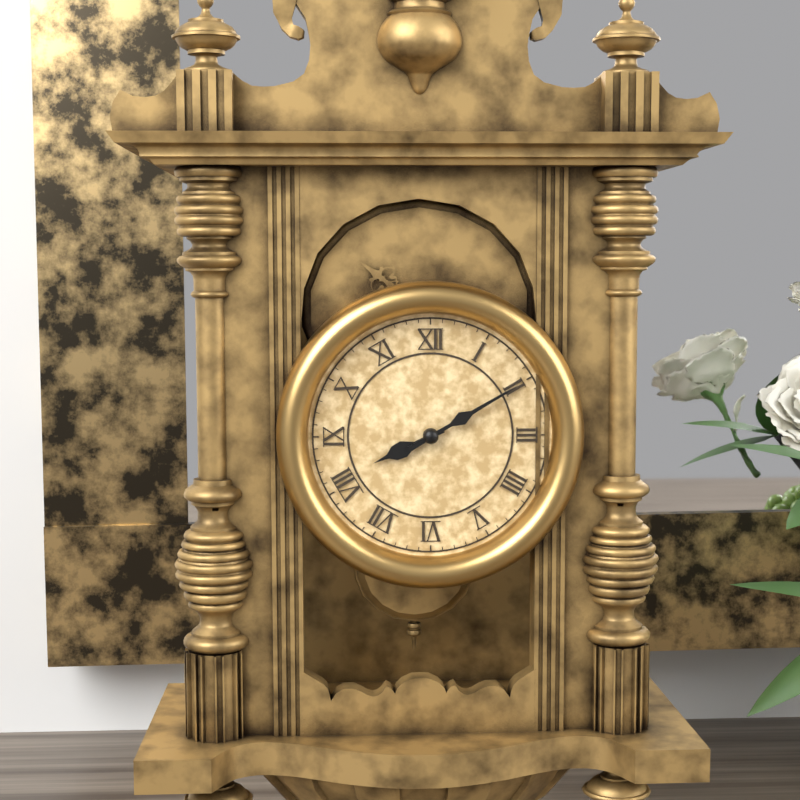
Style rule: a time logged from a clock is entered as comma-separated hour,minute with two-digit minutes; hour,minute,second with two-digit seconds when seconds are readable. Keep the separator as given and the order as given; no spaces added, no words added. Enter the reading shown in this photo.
8,10
